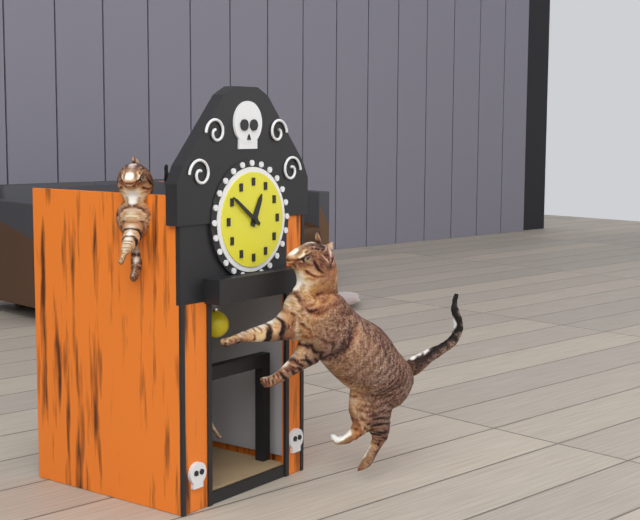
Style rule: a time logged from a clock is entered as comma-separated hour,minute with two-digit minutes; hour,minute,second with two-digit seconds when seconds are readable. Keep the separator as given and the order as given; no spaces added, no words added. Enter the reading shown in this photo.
12,51
